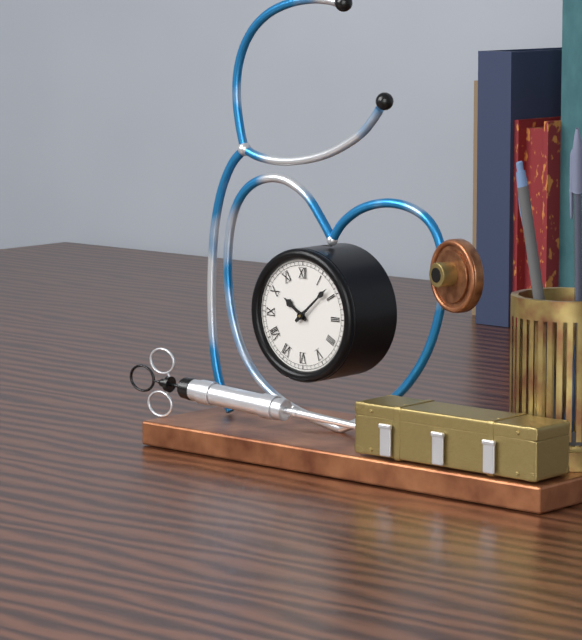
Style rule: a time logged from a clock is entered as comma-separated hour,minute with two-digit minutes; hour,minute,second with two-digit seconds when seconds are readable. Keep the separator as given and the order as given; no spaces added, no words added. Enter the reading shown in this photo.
10,08
